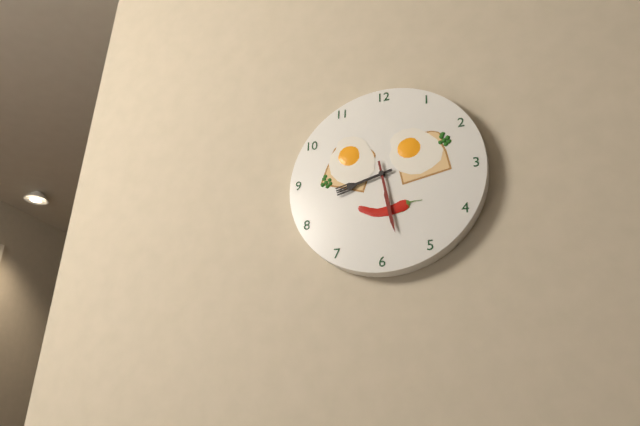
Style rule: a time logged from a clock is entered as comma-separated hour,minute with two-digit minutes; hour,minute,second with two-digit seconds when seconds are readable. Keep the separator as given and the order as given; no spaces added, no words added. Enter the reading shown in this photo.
8,28
